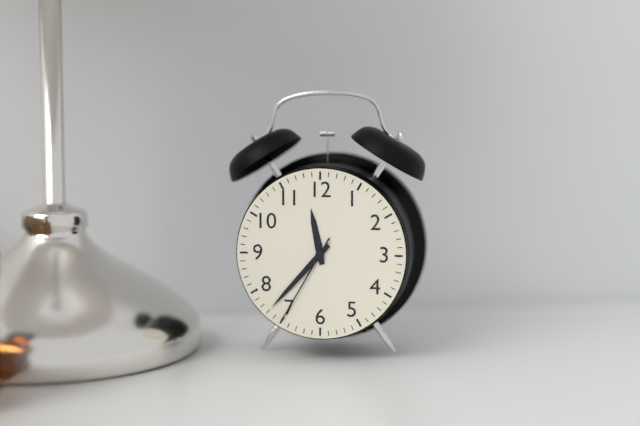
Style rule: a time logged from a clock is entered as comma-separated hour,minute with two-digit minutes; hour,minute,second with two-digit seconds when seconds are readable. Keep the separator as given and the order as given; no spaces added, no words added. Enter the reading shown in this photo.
11,37,35
